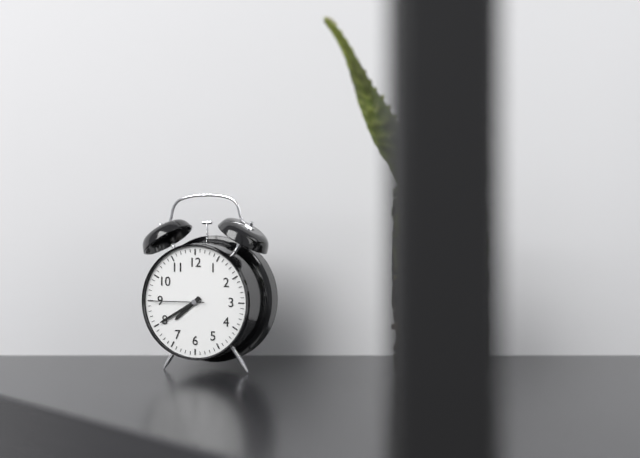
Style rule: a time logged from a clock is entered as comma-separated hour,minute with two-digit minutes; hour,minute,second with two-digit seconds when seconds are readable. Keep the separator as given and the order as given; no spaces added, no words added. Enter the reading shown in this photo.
7,40,45
